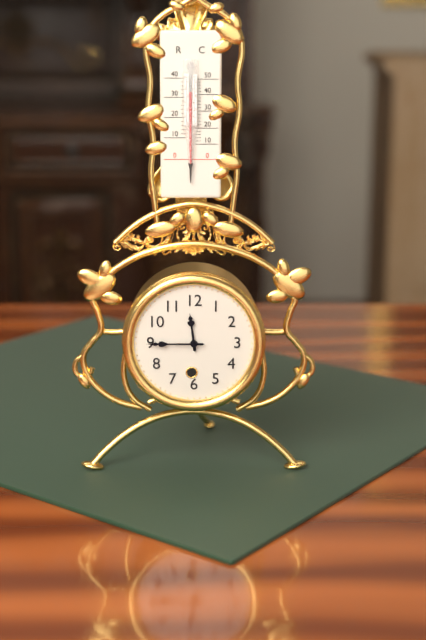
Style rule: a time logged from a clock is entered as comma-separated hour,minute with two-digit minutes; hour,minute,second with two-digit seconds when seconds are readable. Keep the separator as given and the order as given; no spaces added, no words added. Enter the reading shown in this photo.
11,45
